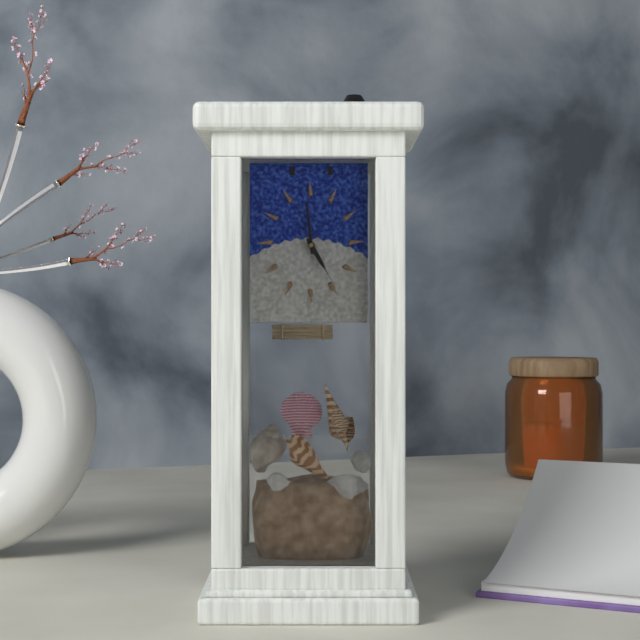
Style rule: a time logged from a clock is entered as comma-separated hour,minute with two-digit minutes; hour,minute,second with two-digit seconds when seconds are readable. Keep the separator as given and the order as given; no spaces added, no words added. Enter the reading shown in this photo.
4,59,25
